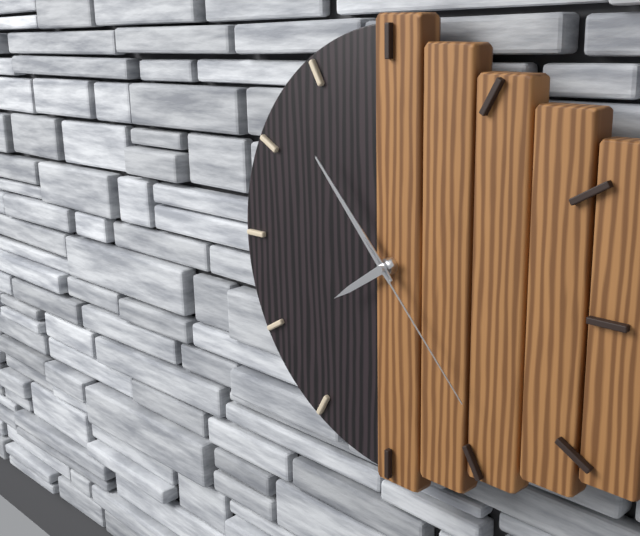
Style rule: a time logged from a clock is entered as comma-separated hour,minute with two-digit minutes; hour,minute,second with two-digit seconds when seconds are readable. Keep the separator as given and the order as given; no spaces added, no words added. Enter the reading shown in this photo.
7,53,23
